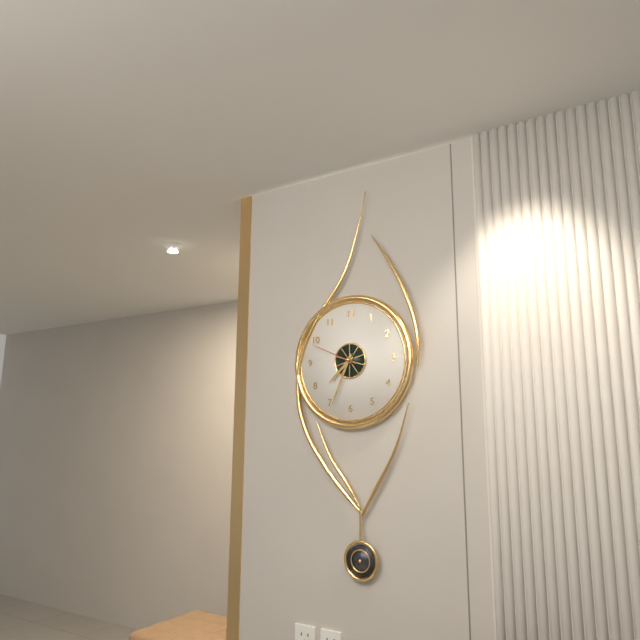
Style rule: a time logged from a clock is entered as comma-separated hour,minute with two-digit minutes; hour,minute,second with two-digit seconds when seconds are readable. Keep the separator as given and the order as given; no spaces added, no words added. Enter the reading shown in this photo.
7,34,49
